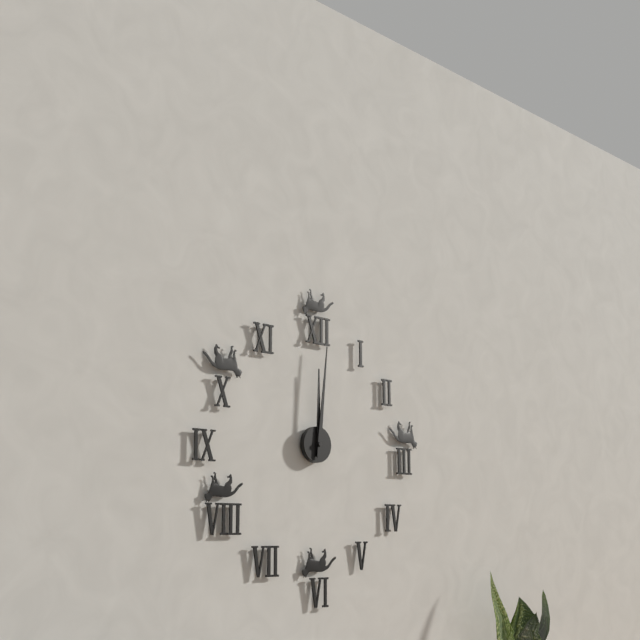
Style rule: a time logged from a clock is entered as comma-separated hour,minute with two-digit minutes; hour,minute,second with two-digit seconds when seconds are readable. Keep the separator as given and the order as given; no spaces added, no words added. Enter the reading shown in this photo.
12,01
